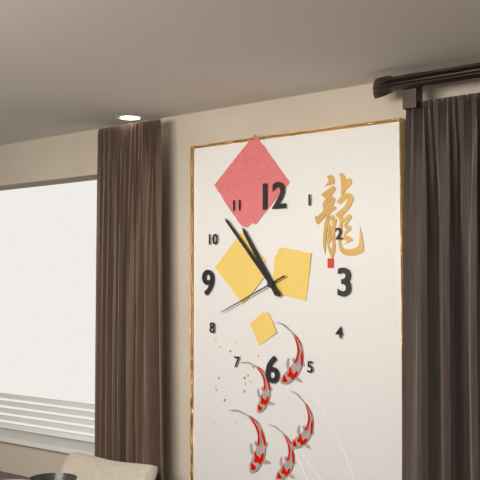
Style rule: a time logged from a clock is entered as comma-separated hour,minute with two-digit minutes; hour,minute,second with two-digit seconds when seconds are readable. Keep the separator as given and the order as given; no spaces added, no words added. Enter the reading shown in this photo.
10,53,41
